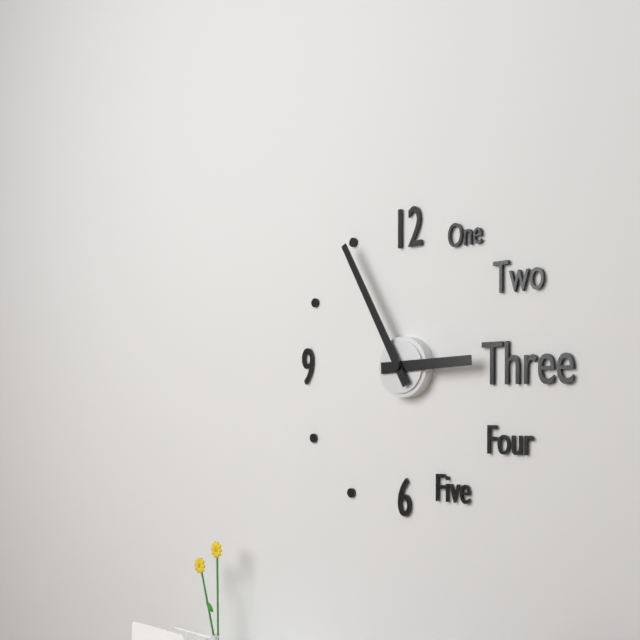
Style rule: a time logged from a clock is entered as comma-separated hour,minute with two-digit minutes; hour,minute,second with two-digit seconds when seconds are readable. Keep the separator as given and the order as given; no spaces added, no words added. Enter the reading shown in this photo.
2,55
